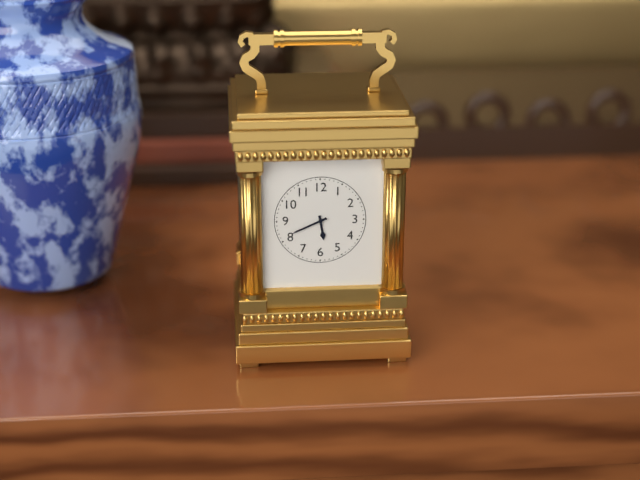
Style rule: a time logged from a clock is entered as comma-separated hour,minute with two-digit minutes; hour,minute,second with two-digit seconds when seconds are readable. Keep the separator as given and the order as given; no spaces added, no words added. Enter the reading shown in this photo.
5,41
